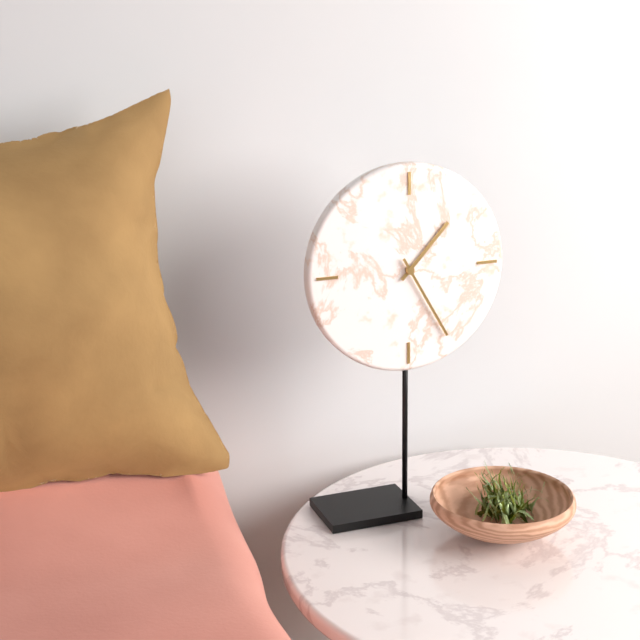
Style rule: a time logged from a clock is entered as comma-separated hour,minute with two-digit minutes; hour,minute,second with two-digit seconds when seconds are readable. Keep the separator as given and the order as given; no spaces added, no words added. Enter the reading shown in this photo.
1,25
